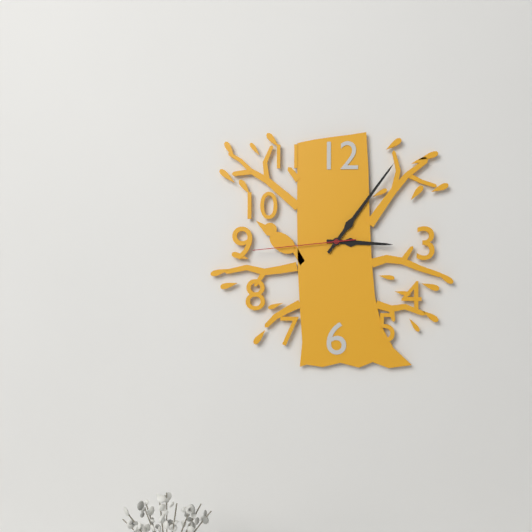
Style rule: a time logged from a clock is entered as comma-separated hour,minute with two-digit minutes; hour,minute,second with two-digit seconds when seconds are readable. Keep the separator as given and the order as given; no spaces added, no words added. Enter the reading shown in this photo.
3,06,44
